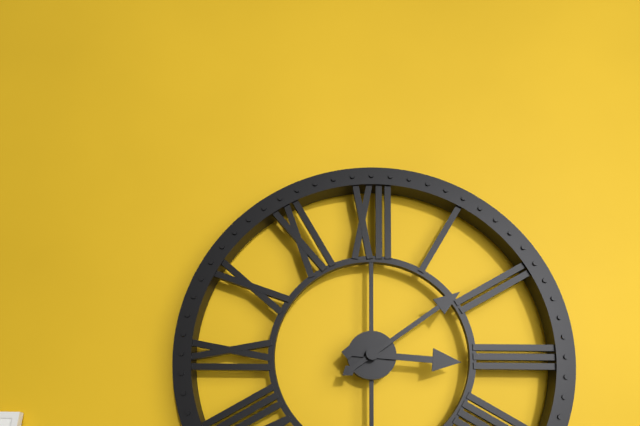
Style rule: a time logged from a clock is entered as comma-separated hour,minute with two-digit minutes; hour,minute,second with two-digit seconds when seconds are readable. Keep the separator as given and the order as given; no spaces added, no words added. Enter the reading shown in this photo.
3,09
